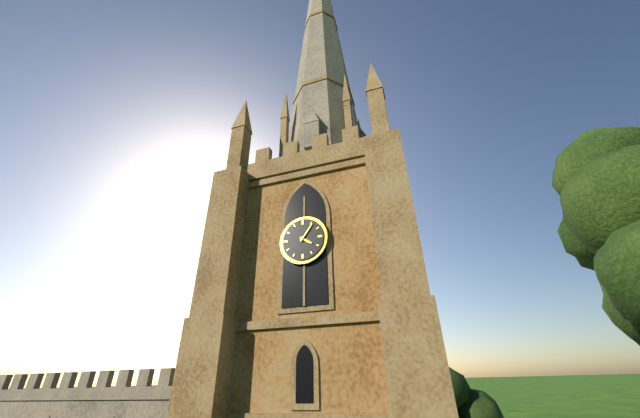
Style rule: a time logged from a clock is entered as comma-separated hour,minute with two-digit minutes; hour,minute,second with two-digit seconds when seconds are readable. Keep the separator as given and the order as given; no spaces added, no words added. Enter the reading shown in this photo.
4,06
